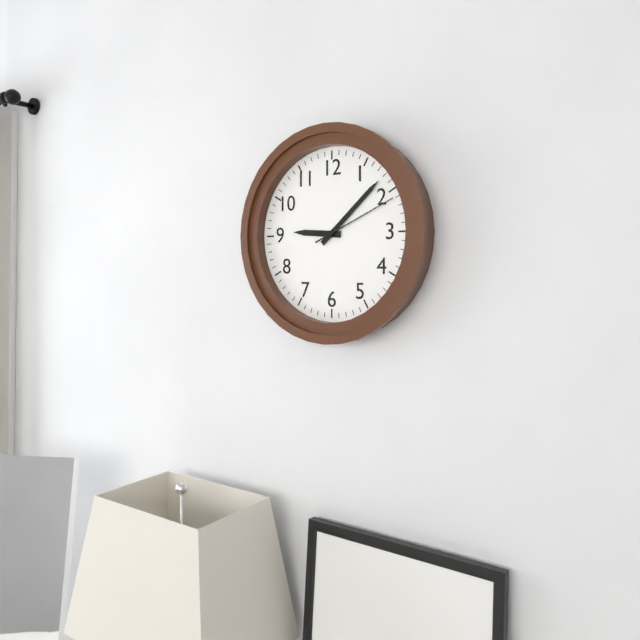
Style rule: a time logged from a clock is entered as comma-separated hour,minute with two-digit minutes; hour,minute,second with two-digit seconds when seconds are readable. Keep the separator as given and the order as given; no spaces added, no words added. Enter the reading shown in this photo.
9,08,11
